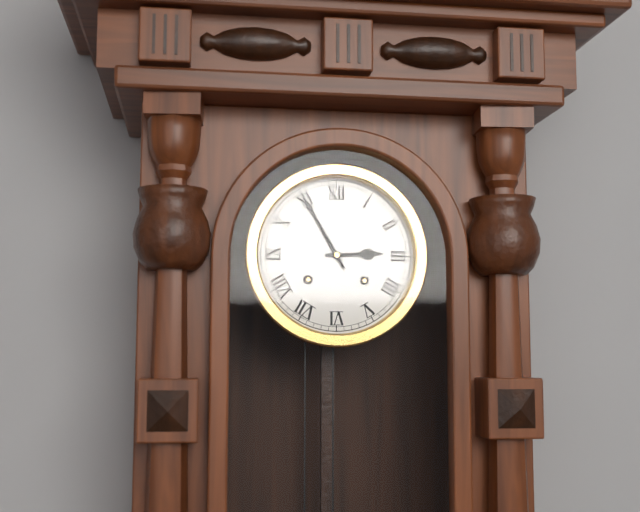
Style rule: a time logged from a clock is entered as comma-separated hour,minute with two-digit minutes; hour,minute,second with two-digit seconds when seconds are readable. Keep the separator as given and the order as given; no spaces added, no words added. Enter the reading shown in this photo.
2,55
